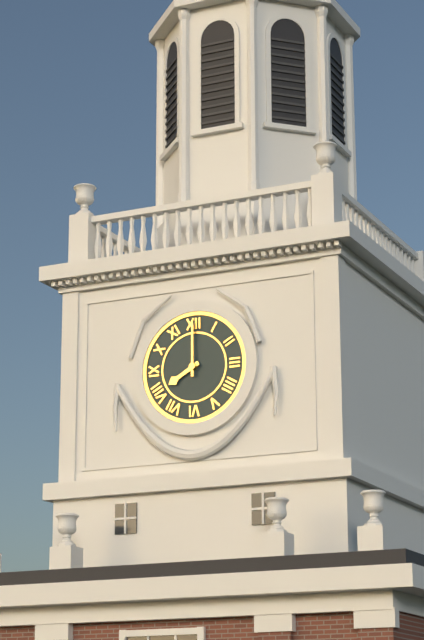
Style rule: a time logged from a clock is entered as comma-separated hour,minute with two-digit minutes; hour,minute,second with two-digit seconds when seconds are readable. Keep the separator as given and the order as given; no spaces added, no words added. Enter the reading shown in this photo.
8,00
